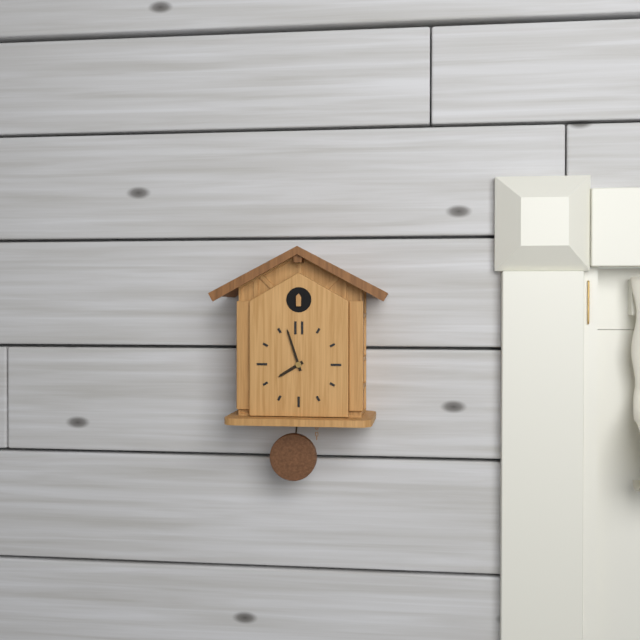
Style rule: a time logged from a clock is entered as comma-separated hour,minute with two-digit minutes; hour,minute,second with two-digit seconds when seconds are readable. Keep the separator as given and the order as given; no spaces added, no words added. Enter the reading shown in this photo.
7,57
